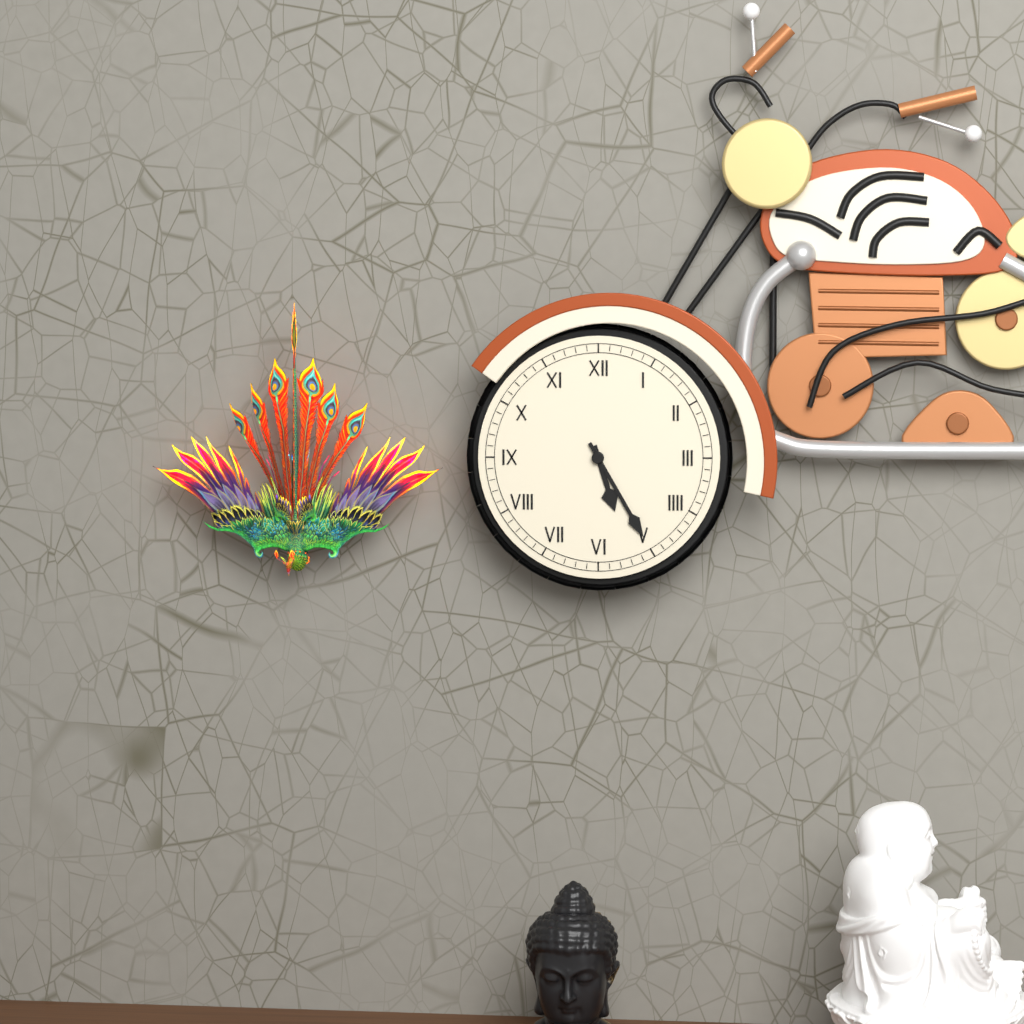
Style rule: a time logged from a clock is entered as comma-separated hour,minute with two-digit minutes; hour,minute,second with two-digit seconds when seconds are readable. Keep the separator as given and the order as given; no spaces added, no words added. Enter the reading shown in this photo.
5,25
